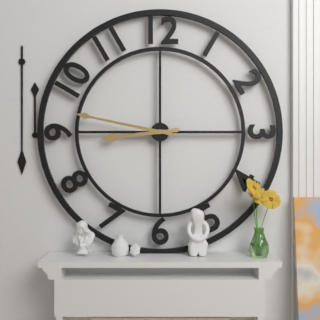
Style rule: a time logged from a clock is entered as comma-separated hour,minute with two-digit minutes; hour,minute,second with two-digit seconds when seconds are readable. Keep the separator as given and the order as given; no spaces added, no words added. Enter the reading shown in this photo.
8,47
